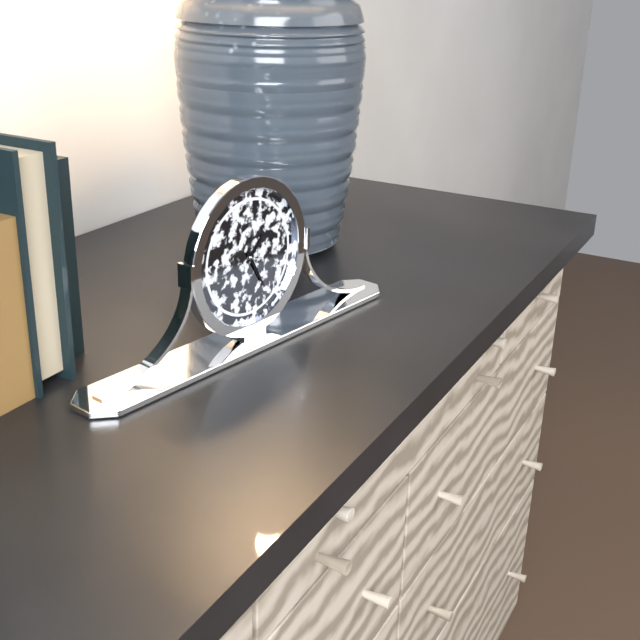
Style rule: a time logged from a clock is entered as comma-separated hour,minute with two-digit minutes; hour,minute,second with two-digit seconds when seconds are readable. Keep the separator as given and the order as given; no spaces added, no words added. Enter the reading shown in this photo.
1,25
